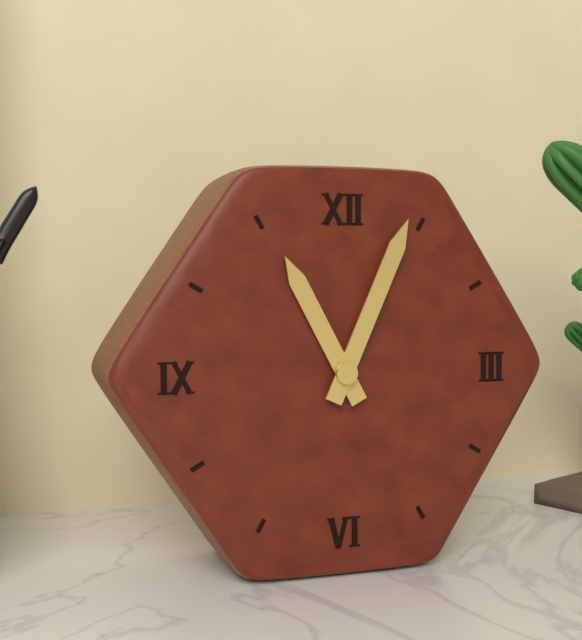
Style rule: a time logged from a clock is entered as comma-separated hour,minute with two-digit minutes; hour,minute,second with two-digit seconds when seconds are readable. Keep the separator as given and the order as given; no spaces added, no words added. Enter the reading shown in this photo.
11,04
